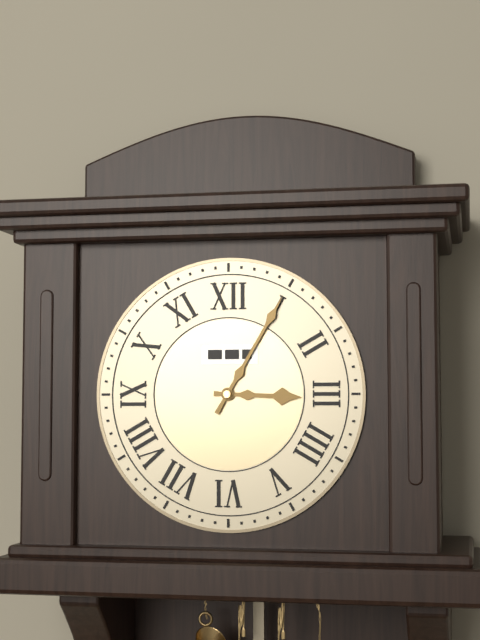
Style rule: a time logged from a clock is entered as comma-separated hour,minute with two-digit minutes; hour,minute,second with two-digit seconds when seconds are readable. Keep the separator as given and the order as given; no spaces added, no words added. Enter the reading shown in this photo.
3,05
